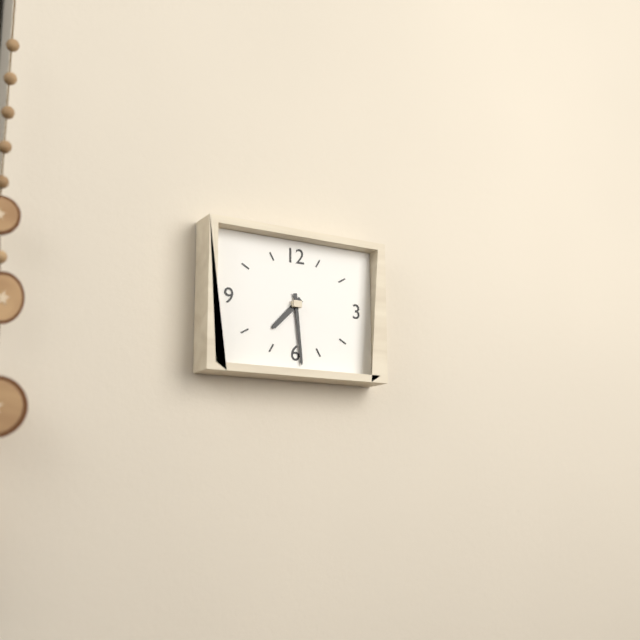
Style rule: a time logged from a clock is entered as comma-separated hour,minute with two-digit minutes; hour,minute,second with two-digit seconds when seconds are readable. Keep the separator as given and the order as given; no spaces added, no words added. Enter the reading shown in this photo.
7,29
